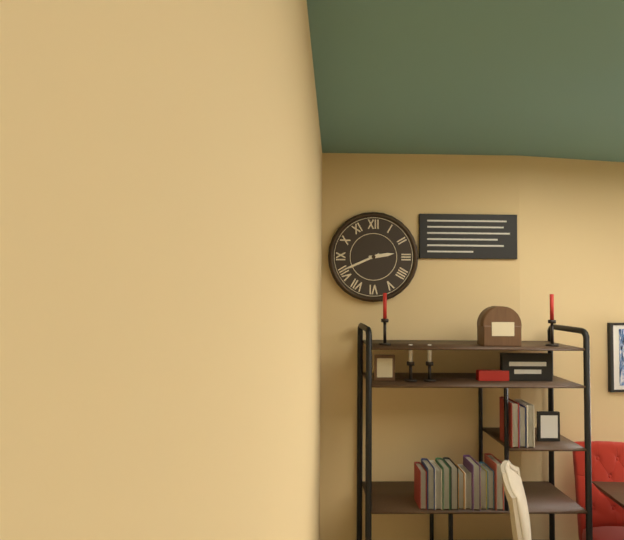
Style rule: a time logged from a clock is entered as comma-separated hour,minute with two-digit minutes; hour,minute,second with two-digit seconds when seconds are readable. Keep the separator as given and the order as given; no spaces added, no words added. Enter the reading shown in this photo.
2,41
